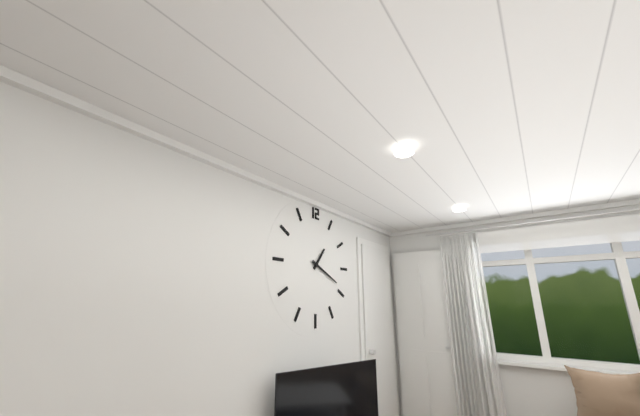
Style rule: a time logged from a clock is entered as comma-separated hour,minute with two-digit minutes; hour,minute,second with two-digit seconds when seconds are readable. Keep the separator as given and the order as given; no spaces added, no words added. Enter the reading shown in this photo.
1,19
